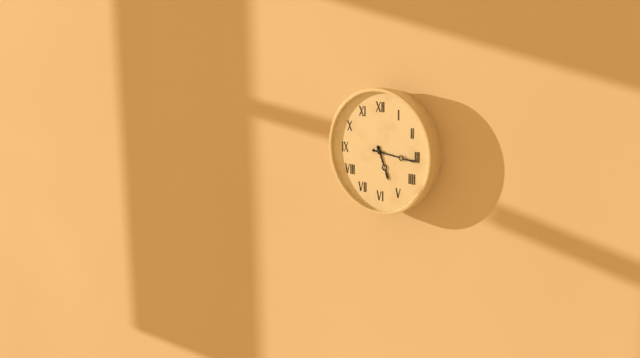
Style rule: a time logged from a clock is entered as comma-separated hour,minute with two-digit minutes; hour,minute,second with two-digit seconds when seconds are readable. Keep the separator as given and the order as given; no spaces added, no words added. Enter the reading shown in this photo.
5,16
